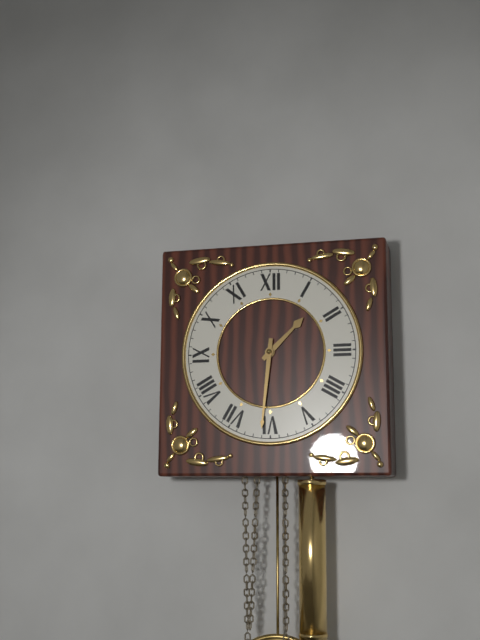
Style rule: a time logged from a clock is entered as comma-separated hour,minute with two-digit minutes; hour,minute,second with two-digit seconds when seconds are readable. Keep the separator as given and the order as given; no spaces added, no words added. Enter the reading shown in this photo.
1,31
